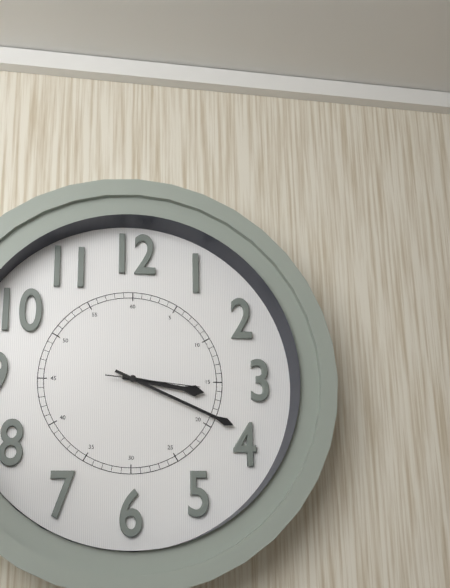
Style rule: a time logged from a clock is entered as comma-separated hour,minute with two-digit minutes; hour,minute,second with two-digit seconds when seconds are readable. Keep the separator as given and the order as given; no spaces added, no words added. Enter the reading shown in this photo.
3,19,16
